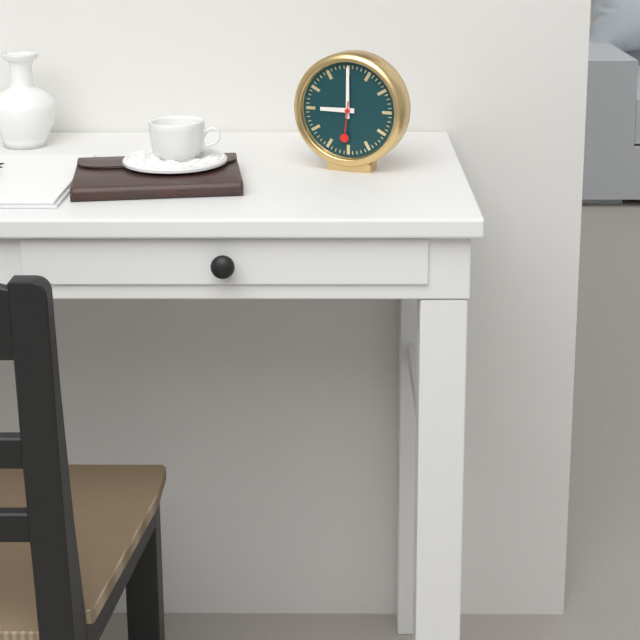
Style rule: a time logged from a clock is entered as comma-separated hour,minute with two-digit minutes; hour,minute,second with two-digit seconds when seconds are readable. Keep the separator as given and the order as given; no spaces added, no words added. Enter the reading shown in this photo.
9,00
